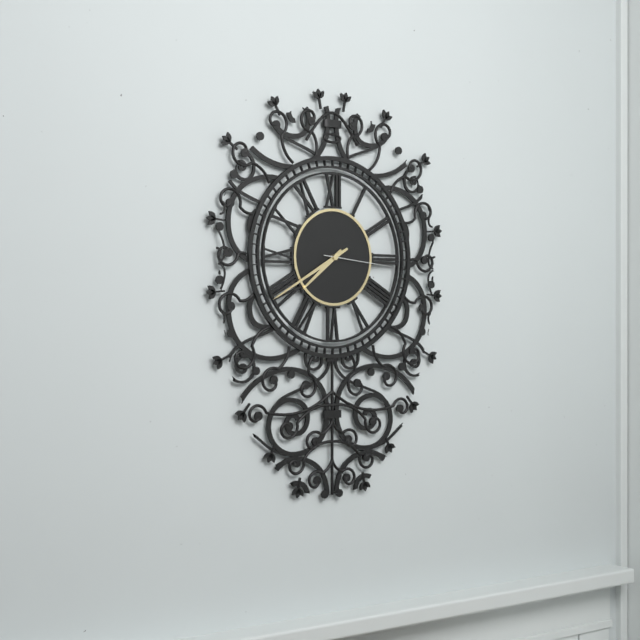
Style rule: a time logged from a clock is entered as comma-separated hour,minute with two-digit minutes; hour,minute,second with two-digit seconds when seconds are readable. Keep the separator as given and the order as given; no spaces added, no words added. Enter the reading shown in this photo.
7,40,16
